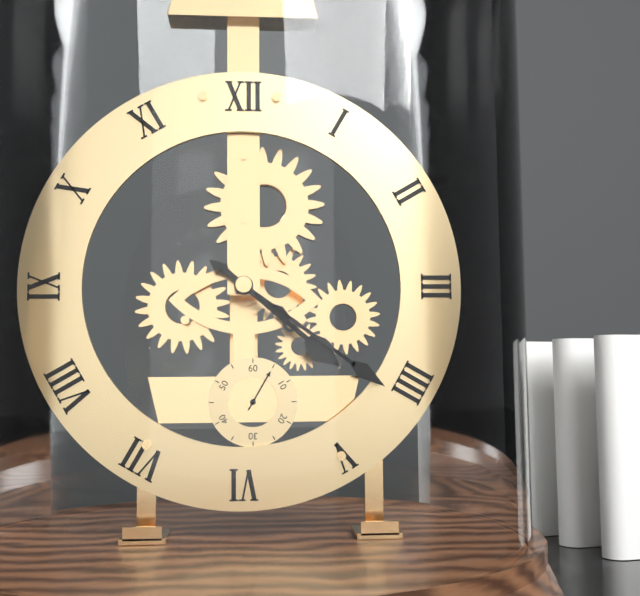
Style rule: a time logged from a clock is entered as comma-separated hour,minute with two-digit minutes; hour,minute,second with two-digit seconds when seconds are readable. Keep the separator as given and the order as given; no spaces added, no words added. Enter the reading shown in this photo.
4,21
